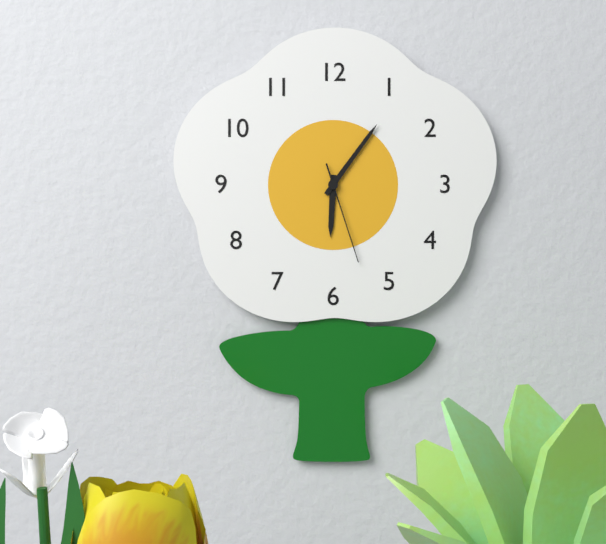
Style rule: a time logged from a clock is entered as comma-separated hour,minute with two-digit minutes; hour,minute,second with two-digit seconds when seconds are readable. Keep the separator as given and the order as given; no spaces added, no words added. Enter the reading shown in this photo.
6,06,27
